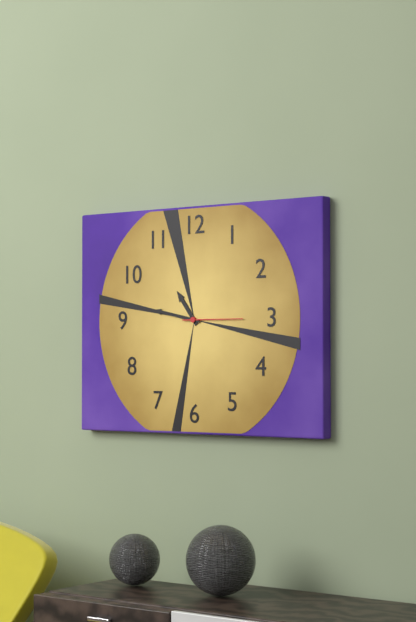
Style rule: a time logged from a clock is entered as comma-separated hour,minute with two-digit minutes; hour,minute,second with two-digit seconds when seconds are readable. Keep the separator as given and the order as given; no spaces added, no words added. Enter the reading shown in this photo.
10,47,15
